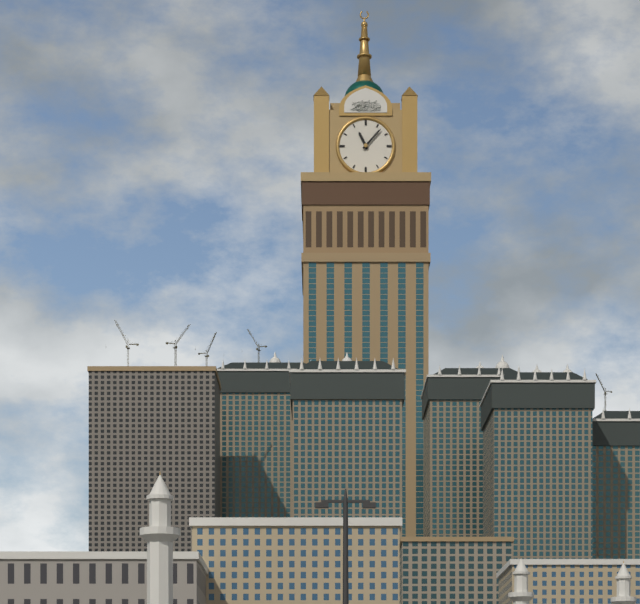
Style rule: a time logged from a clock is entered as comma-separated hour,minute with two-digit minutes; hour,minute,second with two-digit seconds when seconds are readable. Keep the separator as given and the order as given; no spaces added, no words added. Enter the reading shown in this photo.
11,07
